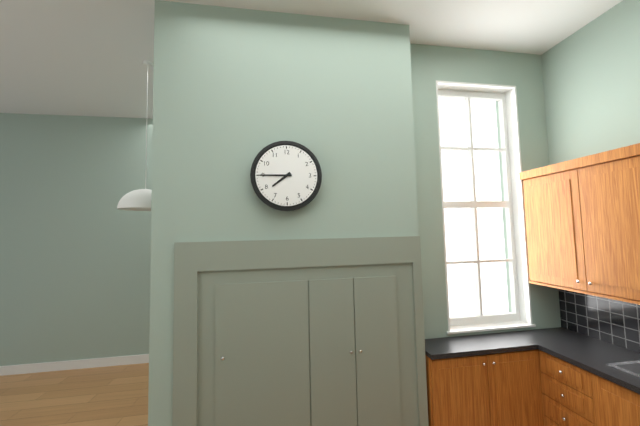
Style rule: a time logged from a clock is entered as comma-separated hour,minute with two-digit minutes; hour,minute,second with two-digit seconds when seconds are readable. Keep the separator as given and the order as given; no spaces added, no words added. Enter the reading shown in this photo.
7,45
